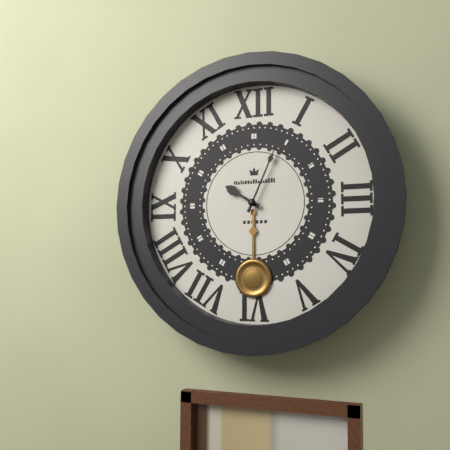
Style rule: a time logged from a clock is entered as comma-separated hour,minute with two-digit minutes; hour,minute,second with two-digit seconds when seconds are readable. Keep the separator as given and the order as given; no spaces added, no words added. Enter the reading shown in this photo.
10,04
